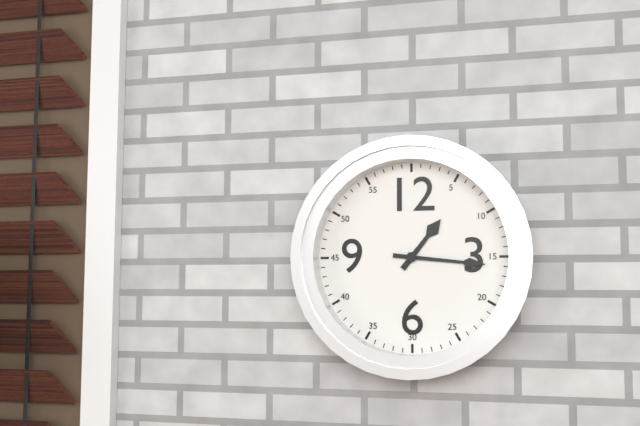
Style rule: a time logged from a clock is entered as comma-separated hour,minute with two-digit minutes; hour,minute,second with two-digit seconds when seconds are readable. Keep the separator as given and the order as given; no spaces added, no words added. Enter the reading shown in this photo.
1,16
